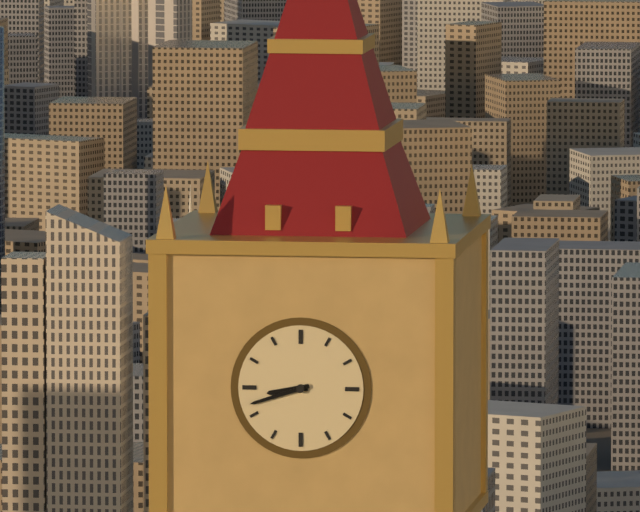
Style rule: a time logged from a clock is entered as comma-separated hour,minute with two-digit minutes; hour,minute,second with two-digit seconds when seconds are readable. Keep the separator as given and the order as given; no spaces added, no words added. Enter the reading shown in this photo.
8,42
